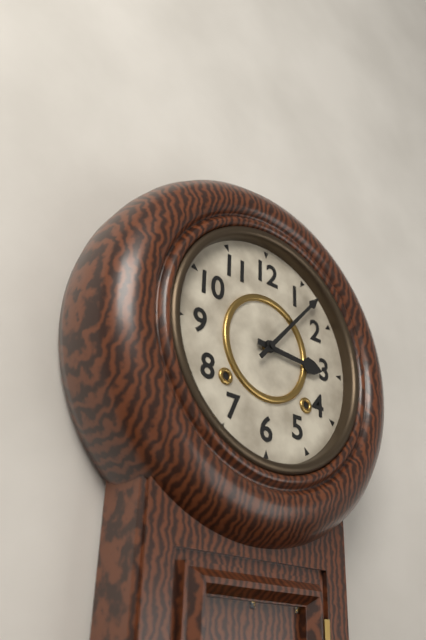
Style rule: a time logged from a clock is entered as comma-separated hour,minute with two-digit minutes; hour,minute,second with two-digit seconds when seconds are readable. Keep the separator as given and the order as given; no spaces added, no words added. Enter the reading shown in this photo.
3,07
